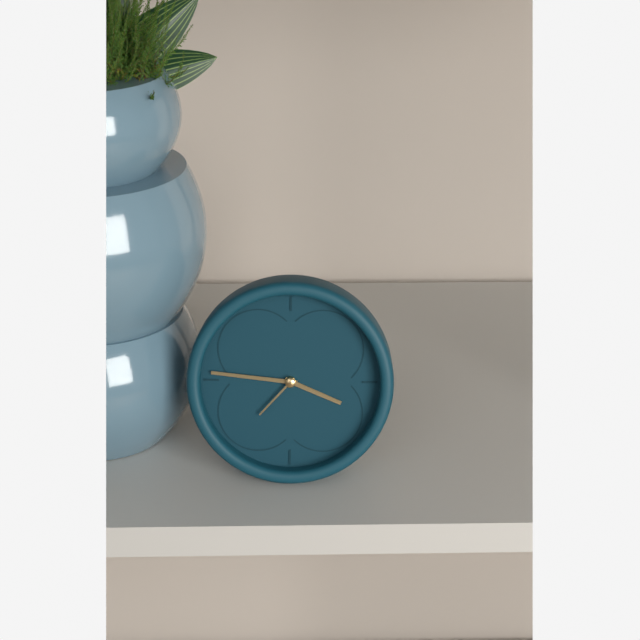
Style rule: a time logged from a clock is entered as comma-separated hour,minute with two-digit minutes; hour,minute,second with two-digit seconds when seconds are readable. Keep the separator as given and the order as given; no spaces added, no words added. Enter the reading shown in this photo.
3,46,37
